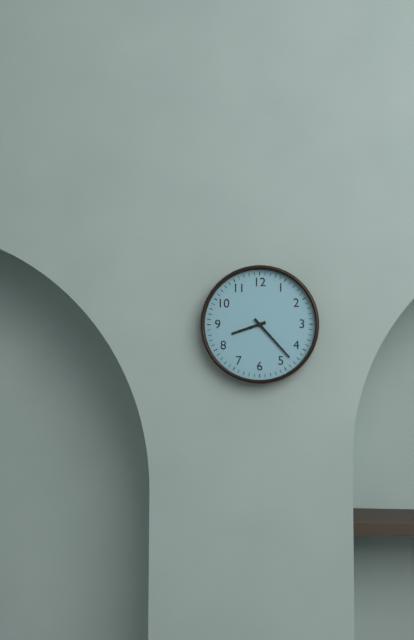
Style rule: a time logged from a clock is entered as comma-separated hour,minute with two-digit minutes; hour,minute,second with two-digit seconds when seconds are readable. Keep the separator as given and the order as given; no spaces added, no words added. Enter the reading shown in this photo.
8,23
